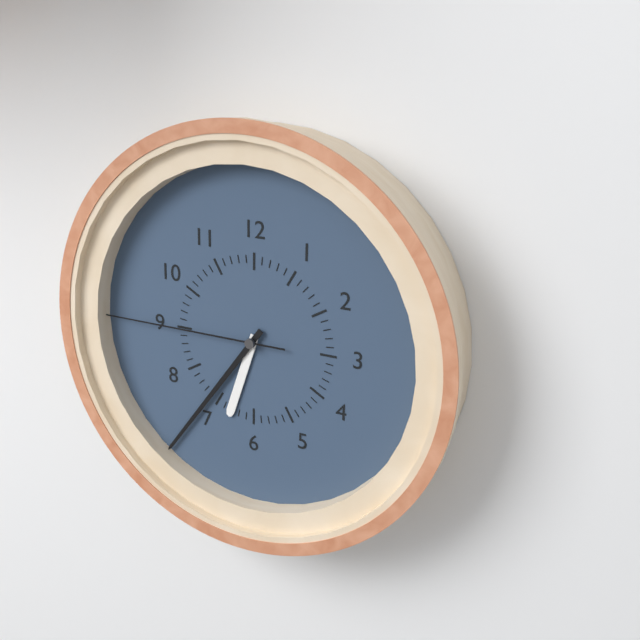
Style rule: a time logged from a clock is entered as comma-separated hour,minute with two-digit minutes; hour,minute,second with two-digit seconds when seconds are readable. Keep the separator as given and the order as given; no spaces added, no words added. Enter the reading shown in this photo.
6,36,45
